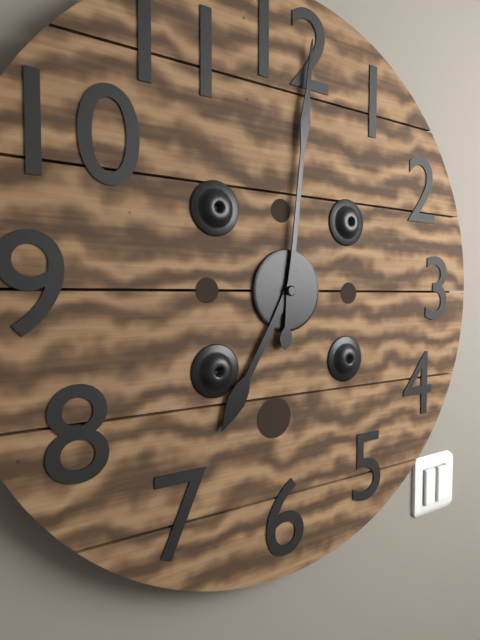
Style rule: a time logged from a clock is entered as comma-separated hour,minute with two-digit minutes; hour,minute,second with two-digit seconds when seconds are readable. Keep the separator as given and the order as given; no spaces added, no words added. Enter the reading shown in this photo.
7,01
